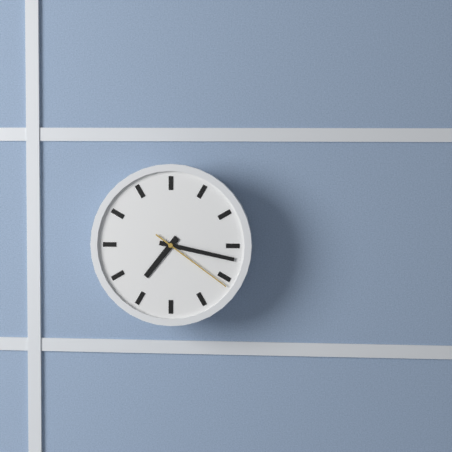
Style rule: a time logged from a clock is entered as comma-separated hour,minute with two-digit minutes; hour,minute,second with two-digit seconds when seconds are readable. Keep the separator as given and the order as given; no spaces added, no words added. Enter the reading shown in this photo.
7,17,21
